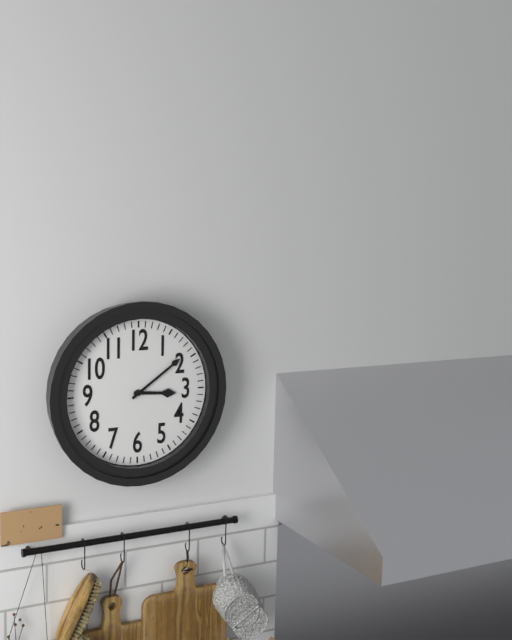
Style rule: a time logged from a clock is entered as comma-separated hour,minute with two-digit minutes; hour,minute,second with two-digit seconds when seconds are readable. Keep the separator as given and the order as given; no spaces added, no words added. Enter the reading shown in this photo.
3,09
